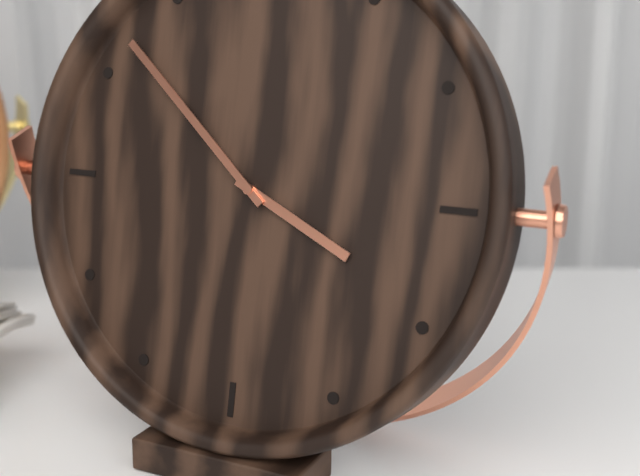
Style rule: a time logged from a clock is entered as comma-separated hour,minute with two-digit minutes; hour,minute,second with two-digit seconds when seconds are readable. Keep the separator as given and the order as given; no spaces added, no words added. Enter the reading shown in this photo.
3,52
